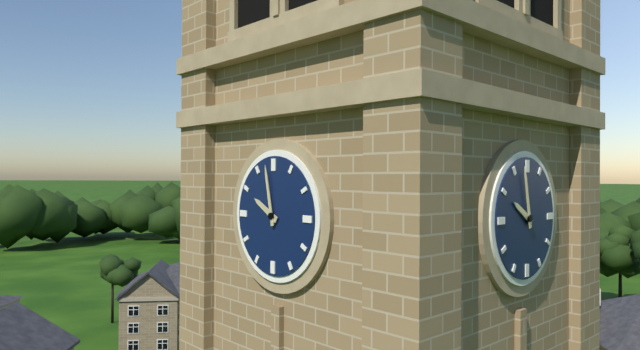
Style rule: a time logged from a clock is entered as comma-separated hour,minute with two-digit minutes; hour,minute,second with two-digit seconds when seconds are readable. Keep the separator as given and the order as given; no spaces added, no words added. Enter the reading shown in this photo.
9,58
